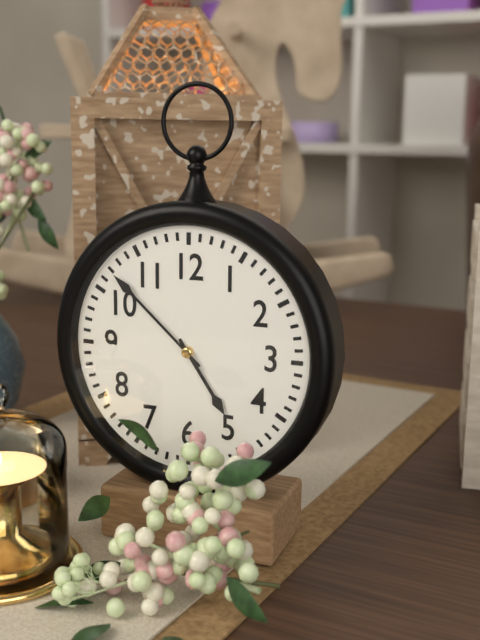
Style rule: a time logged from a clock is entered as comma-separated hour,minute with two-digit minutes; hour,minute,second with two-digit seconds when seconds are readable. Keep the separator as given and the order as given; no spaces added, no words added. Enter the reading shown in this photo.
4,52
